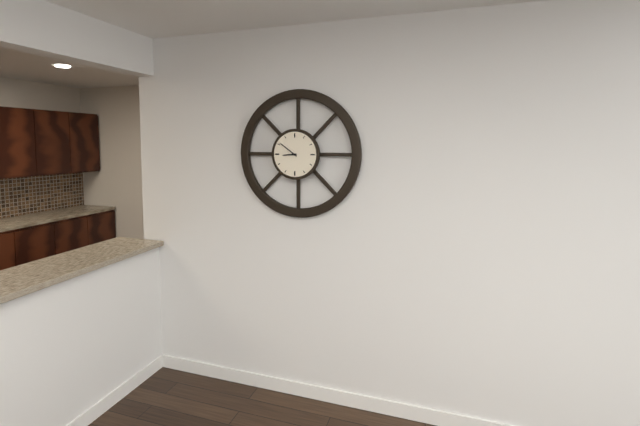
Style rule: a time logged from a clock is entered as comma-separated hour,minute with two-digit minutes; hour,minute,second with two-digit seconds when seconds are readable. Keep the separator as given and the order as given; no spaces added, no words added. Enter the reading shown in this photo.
8,51
